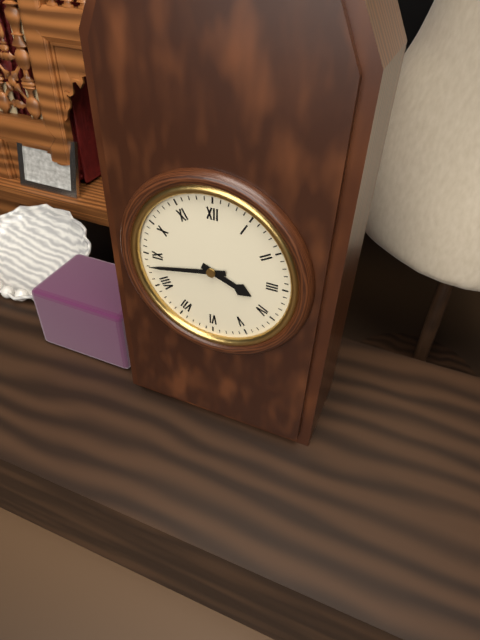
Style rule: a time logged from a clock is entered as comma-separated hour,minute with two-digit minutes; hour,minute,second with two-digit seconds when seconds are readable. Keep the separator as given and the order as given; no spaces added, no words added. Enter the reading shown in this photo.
3,43
